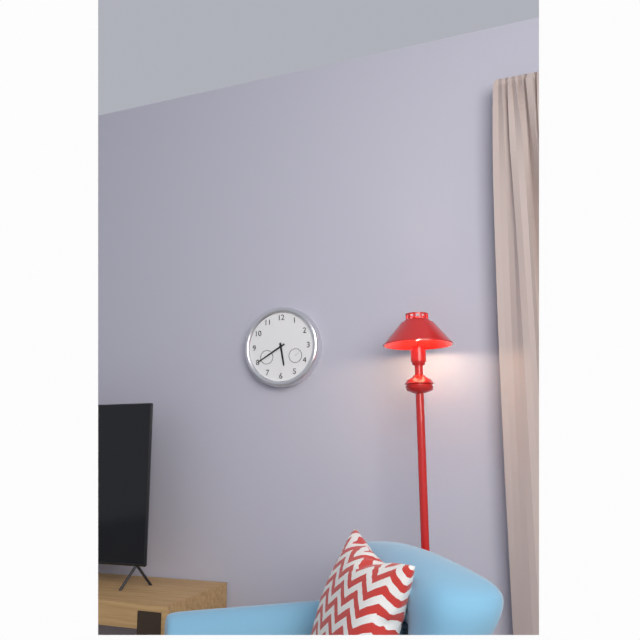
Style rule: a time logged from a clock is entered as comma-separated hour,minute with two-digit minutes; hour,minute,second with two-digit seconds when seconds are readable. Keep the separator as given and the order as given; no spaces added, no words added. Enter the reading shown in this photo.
5,40
